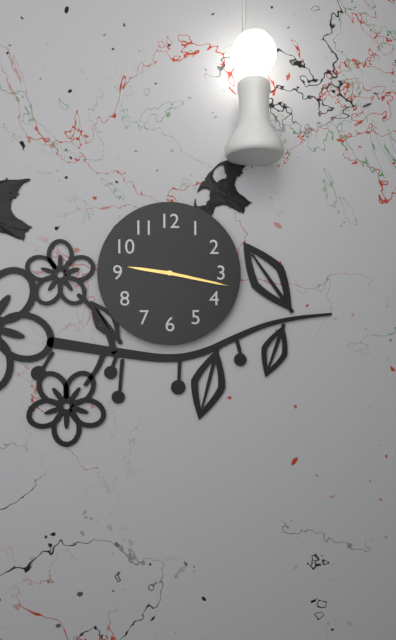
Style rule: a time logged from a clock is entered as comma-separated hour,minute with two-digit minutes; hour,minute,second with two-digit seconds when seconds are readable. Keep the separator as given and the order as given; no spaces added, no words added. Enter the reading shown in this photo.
9,17
